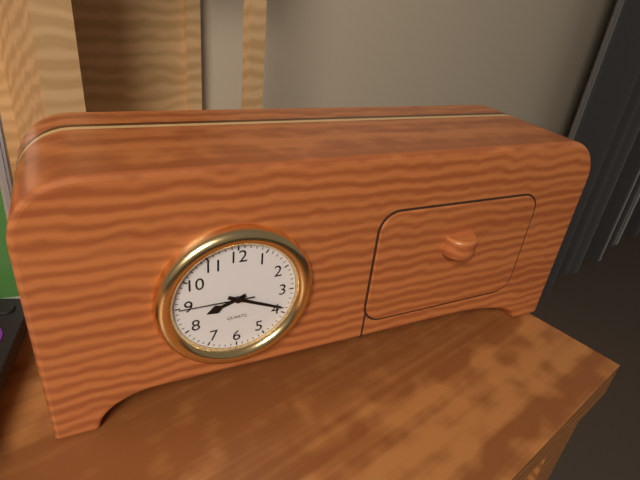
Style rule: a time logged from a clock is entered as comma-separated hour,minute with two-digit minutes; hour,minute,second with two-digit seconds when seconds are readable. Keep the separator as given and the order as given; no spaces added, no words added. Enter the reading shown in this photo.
8,19,45
